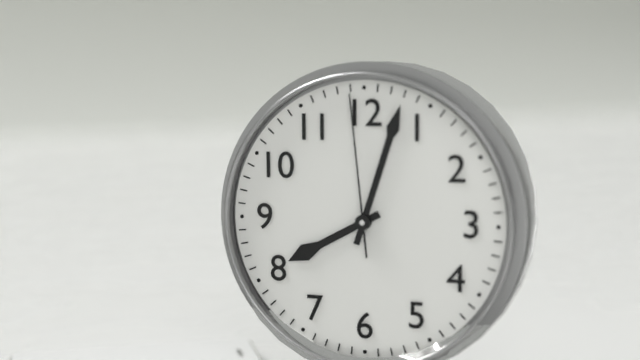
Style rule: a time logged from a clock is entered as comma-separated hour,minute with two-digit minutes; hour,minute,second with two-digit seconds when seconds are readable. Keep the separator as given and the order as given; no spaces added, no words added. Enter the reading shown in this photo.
8,03,59
